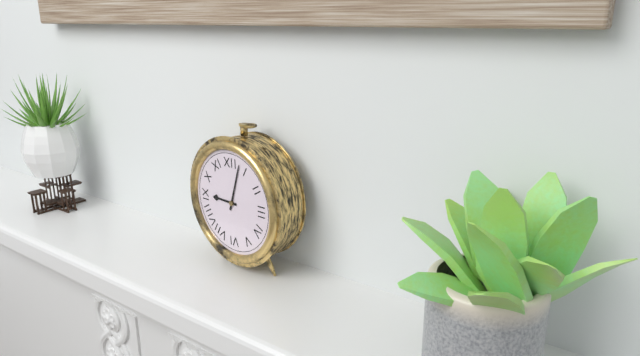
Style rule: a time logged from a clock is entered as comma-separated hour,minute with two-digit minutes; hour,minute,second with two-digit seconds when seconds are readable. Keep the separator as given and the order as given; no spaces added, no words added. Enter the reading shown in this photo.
9,03
